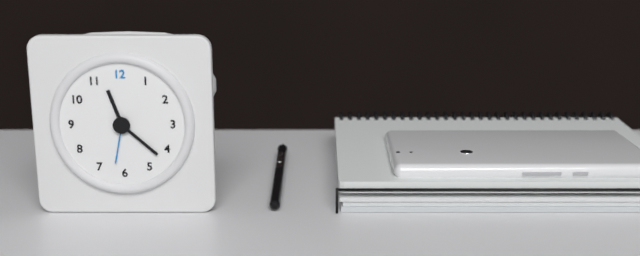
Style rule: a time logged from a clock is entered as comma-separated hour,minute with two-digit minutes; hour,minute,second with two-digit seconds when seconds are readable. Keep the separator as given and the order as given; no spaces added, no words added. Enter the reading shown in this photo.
11,22
